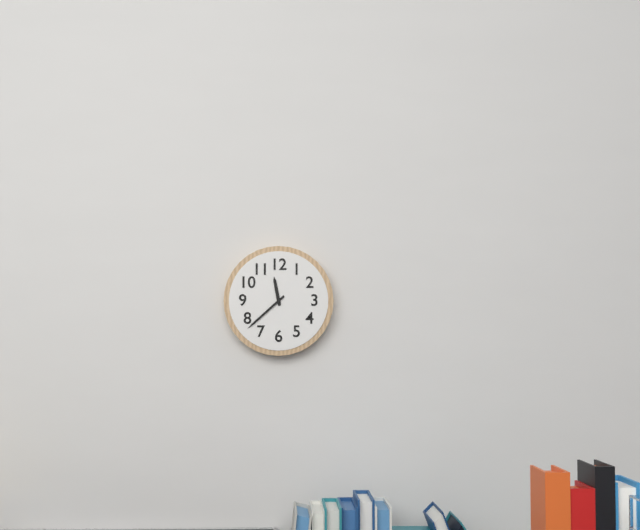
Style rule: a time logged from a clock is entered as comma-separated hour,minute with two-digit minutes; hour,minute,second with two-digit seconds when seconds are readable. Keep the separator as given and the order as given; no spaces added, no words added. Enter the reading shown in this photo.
11,38
